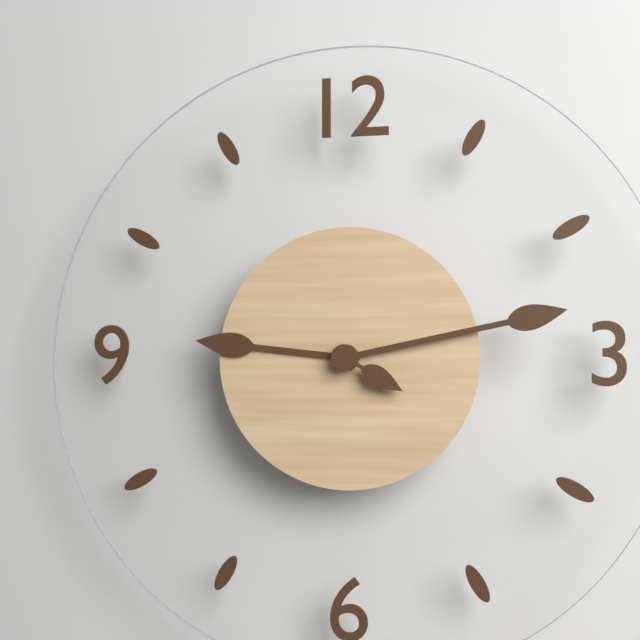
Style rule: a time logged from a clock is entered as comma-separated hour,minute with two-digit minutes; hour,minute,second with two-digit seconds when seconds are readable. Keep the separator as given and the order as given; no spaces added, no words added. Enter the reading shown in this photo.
9,13,20
